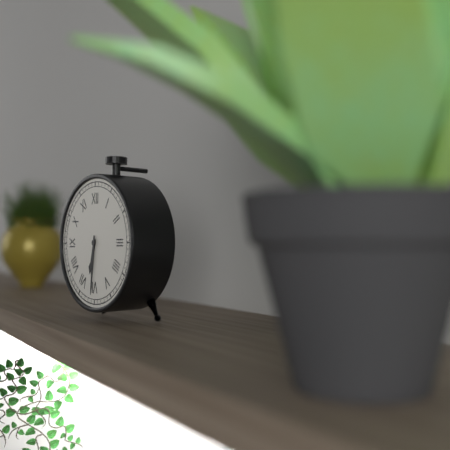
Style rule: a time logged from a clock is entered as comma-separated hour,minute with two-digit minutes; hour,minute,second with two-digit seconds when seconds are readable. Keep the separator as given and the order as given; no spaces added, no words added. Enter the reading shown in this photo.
6,31
